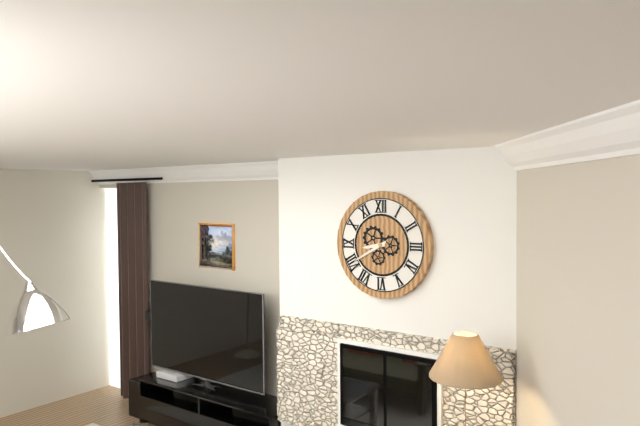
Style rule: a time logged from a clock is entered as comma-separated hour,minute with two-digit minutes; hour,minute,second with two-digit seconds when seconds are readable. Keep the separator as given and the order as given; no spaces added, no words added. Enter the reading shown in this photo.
8,40
